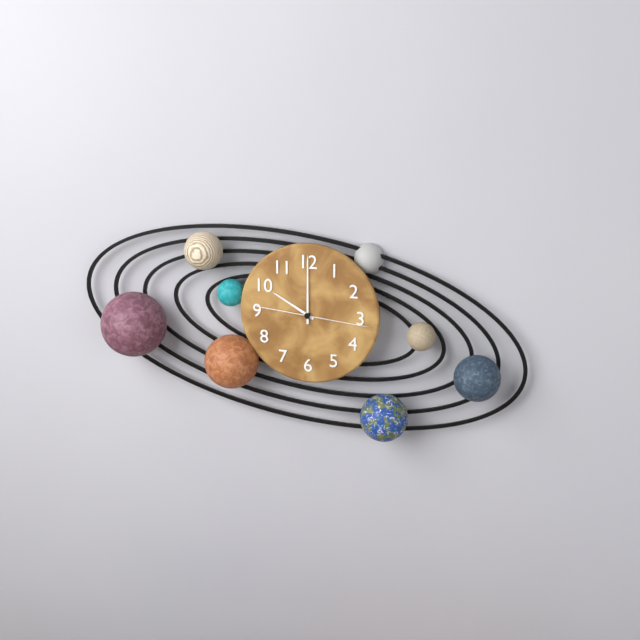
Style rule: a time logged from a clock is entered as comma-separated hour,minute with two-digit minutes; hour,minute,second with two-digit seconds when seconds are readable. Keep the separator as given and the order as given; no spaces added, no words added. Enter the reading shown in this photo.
10,00,16
